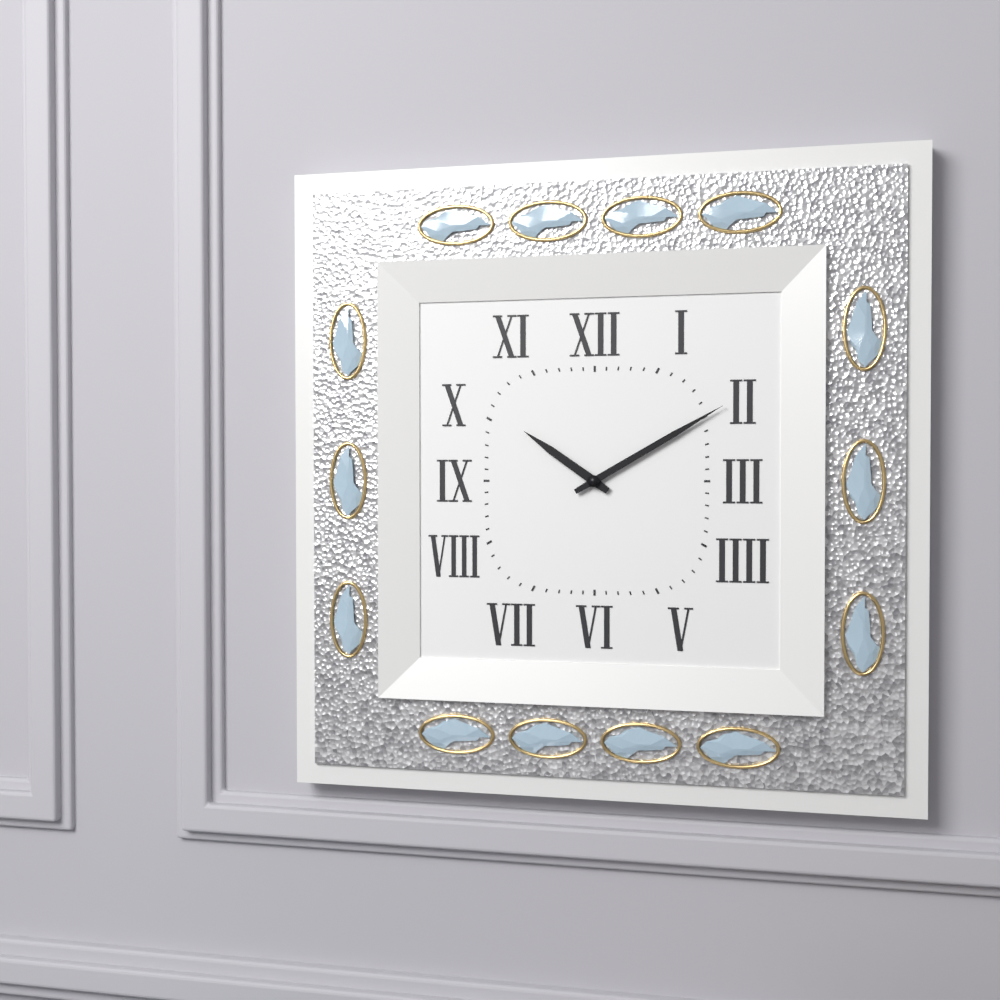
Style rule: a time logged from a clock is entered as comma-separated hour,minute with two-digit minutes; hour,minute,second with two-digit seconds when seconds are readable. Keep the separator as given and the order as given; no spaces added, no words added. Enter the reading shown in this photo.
10,10
